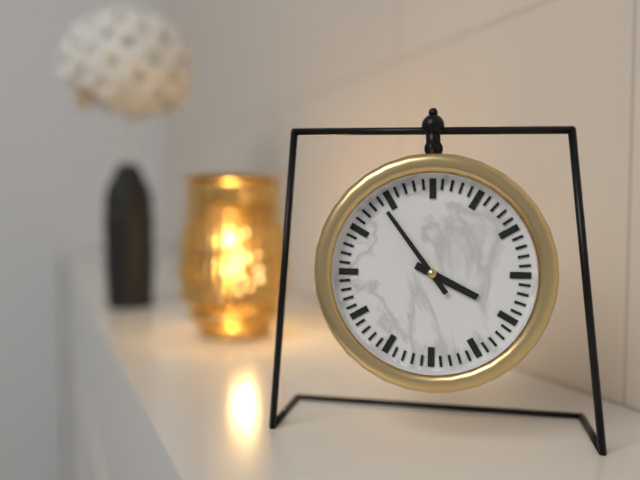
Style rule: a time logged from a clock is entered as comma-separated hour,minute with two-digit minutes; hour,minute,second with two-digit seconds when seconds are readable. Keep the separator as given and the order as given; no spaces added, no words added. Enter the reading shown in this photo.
3,54
